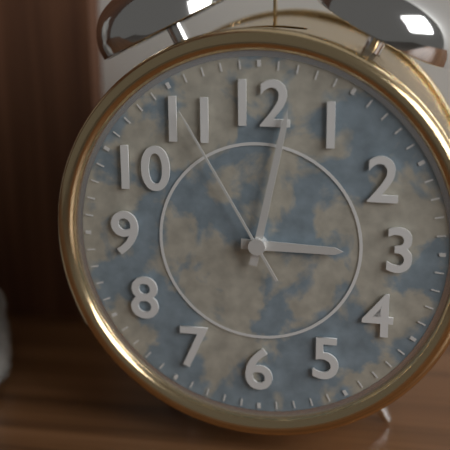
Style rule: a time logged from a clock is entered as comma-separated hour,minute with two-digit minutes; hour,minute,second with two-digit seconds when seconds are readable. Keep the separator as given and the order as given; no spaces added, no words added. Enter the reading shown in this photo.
3,02,55
